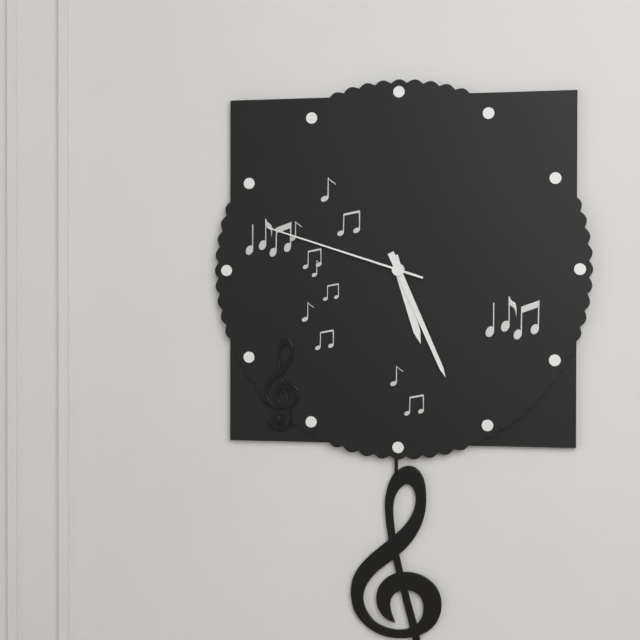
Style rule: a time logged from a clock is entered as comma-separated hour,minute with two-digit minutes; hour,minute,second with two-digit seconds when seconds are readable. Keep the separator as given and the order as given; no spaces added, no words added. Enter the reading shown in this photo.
5,26,48
